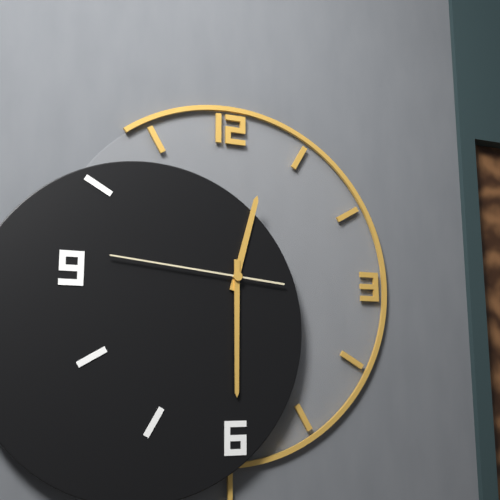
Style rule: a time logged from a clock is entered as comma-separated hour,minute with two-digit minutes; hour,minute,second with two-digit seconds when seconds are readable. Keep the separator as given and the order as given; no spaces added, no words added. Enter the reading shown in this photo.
12,30,46
